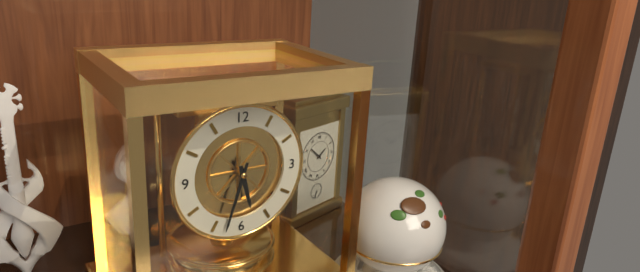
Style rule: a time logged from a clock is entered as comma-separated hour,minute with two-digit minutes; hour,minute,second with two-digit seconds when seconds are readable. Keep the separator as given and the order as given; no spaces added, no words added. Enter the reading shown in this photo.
5,33
